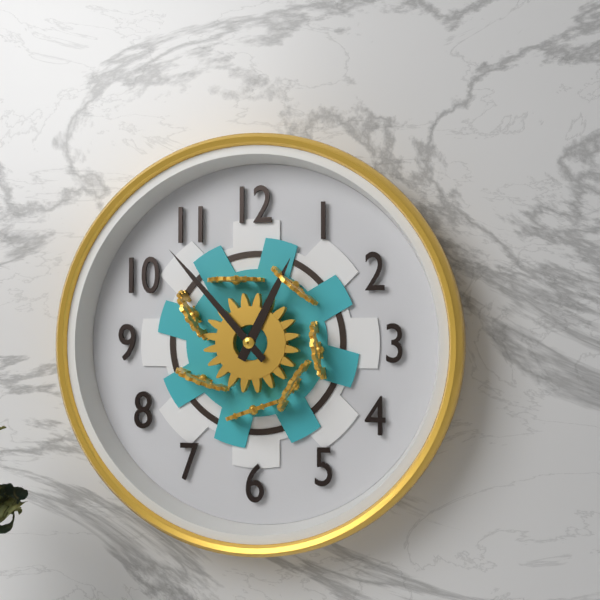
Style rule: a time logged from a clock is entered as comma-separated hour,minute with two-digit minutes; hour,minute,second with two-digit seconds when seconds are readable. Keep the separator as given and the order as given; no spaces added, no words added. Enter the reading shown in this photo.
12,53
